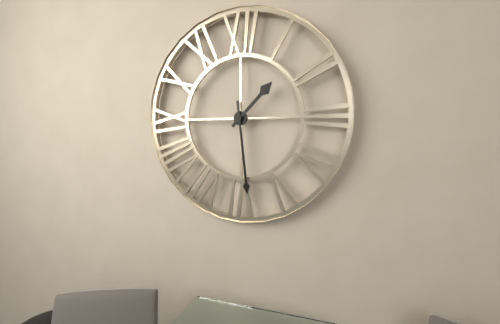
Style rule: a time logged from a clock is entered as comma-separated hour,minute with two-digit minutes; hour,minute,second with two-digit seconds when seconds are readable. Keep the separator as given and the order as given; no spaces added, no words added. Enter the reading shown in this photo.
1,29
